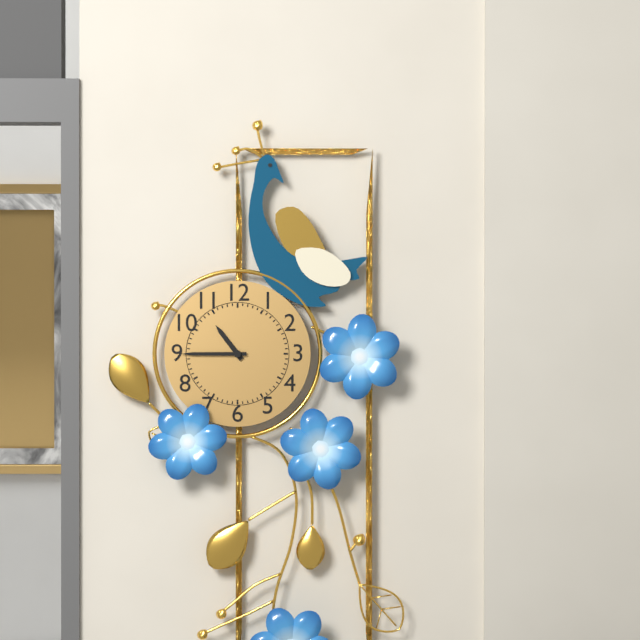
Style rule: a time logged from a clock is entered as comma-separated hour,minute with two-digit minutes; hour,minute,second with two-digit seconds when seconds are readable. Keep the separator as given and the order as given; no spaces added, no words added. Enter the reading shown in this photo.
10,45
